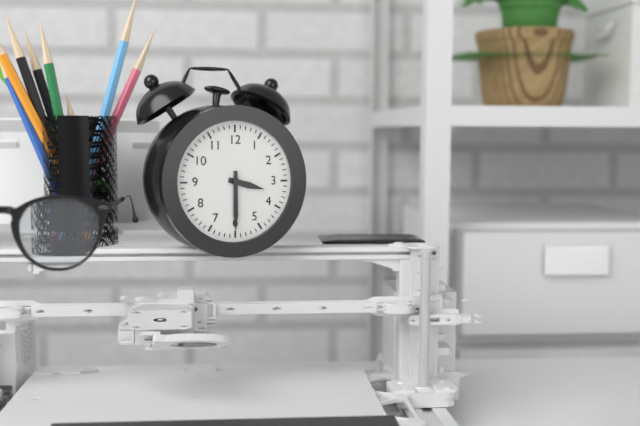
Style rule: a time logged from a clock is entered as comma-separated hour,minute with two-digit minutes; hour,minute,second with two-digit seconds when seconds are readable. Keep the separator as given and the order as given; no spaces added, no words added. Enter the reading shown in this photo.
3,30
